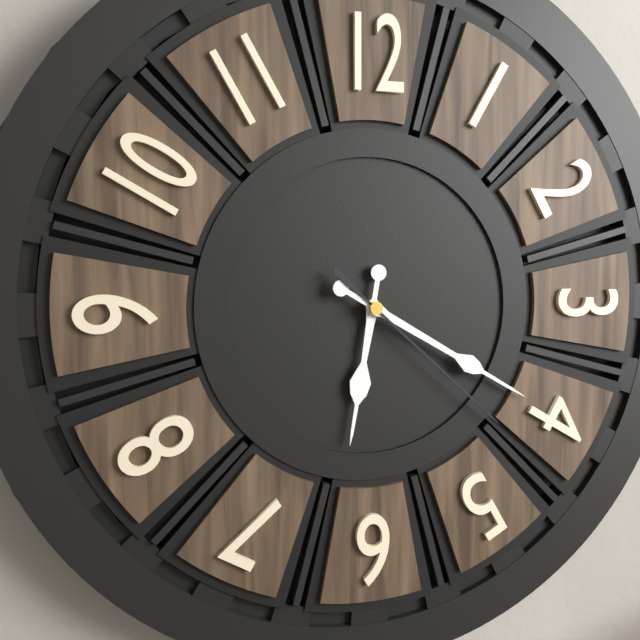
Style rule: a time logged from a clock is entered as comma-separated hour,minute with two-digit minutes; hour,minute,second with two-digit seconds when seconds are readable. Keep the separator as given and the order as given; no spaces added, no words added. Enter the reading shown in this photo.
6,20,22
